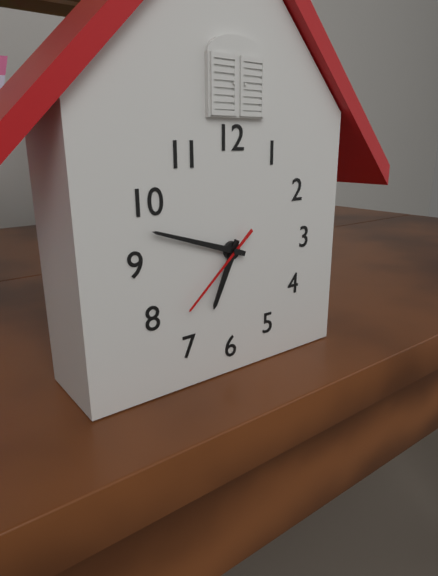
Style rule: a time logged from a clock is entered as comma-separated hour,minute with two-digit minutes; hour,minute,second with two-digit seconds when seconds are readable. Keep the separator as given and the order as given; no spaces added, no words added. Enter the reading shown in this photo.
6,48,38
